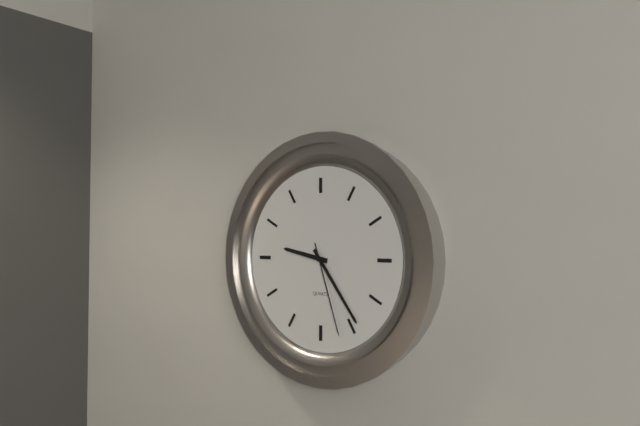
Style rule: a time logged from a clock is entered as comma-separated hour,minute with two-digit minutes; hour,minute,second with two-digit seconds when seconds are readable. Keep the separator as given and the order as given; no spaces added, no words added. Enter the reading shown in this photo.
9,24,27
